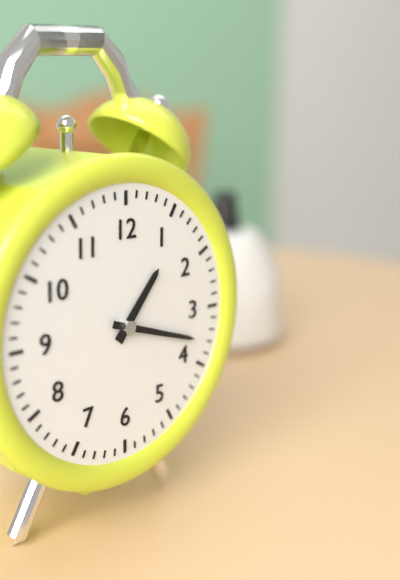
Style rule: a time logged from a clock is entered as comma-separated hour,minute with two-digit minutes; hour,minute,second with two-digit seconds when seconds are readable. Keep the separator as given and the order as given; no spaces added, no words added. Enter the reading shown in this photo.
1,18
